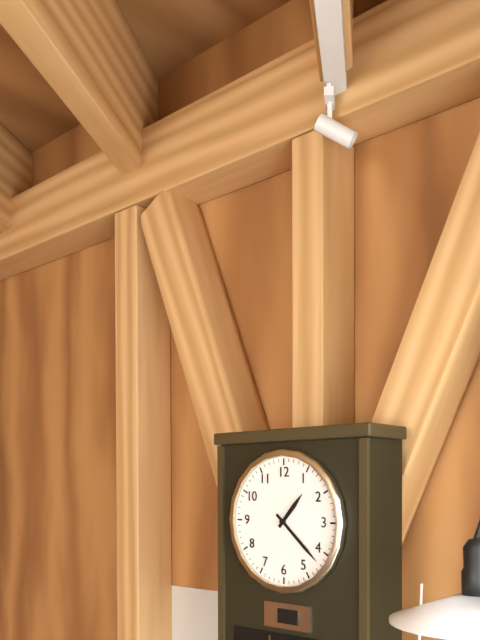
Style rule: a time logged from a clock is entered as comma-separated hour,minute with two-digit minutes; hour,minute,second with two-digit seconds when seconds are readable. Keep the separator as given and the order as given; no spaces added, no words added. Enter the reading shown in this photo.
1,22
